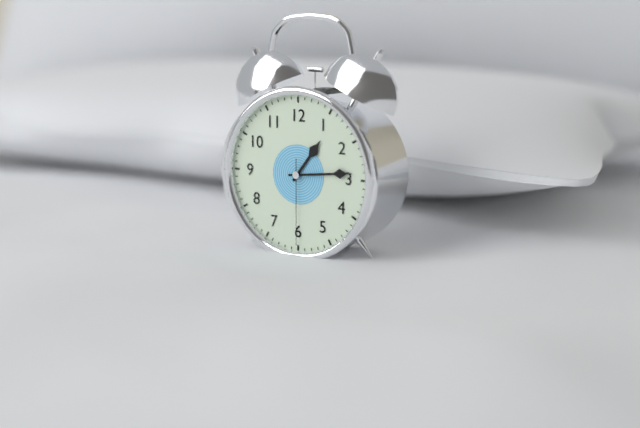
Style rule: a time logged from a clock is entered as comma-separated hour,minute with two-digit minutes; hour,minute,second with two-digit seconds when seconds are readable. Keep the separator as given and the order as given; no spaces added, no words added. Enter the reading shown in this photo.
1,14,30
